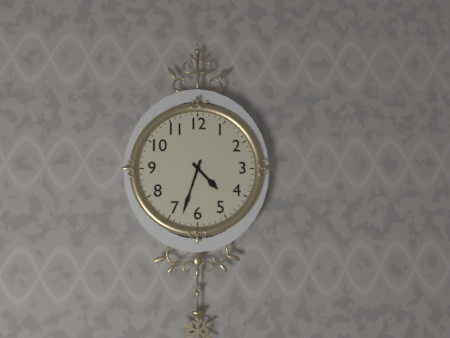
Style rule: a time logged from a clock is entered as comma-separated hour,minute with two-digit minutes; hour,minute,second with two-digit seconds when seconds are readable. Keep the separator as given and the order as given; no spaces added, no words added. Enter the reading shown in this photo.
4,33
